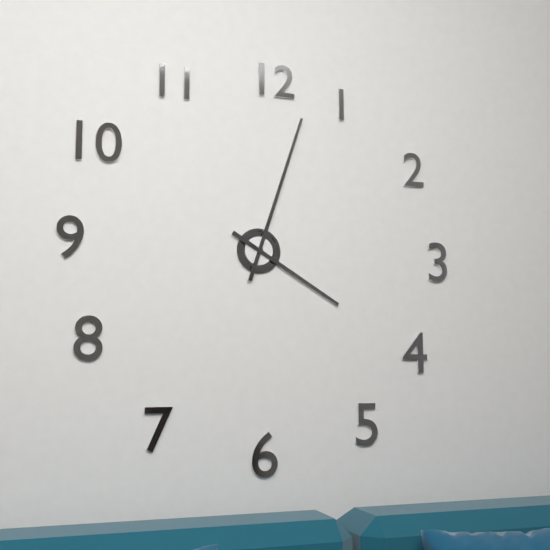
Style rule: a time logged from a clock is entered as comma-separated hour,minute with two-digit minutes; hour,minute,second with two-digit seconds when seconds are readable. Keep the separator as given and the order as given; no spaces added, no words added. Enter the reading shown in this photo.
4,03
